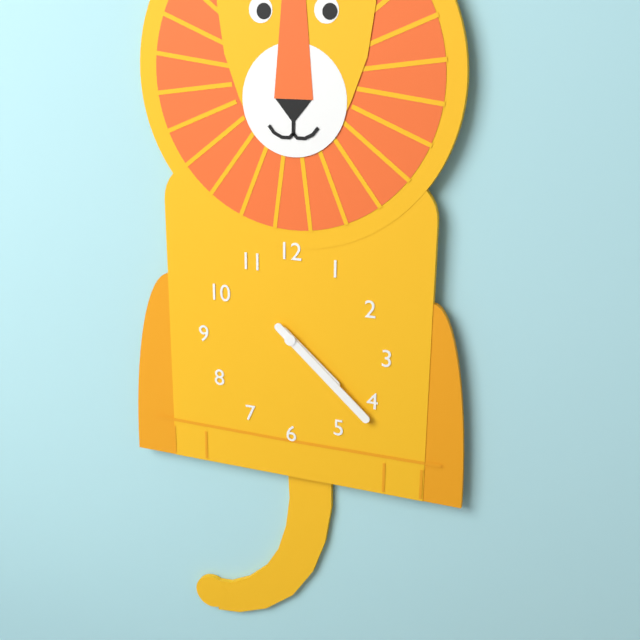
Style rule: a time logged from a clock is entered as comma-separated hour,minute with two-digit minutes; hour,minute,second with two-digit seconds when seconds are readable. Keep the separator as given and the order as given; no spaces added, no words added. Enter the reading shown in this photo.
4,22
